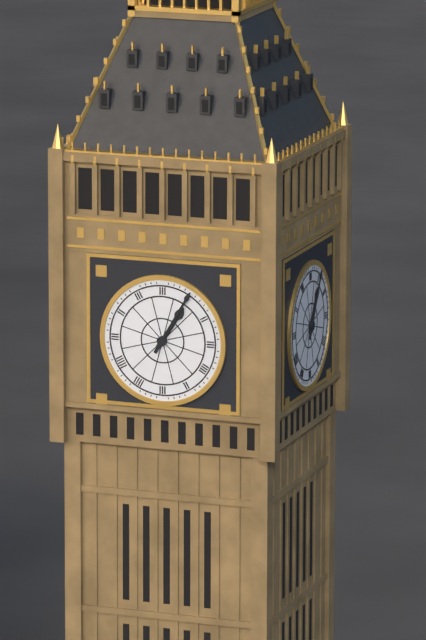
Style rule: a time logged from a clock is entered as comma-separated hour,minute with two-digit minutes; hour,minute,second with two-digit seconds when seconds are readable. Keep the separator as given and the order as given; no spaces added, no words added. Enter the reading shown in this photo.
1,05
